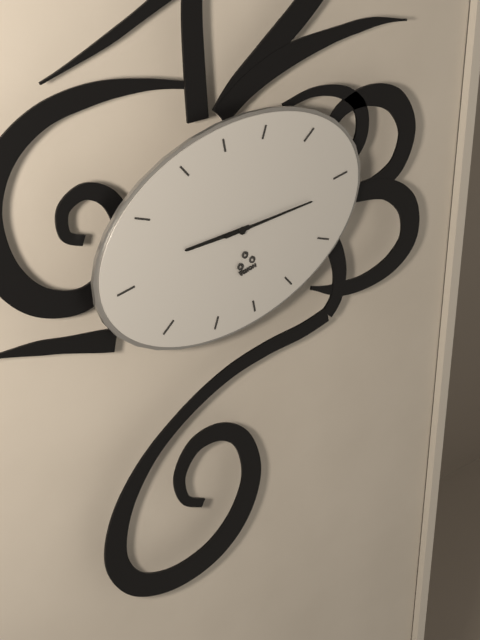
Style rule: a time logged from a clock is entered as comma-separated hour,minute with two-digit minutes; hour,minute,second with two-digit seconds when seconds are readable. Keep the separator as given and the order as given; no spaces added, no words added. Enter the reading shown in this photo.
9,16
